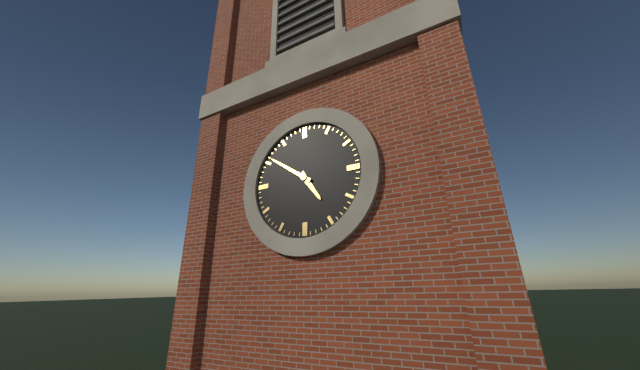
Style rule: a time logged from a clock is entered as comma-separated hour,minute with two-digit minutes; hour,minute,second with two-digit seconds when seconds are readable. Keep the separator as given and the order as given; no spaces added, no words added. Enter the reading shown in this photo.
4,51
